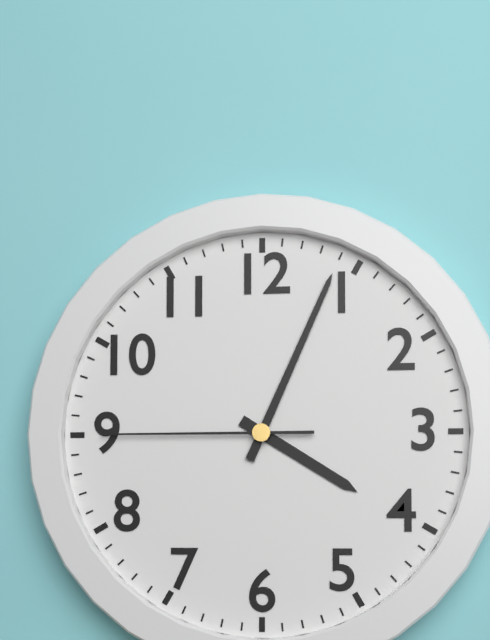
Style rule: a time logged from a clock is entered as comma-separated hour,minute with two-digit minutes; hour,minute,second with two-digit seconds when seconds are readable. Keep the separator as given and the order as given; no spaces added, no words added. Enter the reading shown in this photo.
4,04,45
